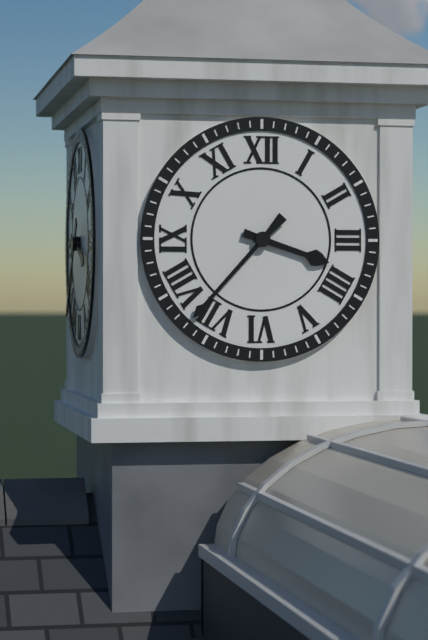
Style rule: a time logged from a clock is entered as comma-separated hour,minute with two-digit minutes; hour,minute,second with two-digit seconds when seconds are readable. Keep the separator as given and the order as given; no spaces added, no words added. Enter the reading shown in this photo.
3,37
